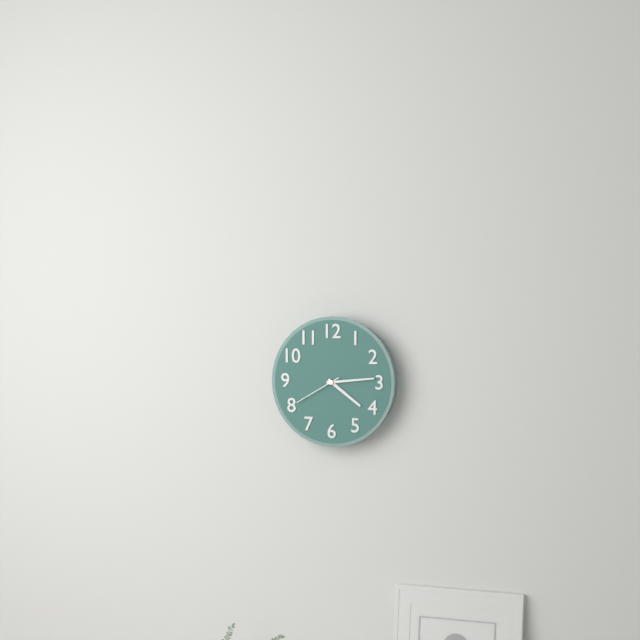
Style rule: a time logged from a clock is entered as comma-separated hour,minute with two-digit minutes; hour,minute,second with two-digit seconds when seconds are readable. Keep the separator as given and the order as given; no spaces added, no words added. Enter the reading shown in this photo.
4,14,40
